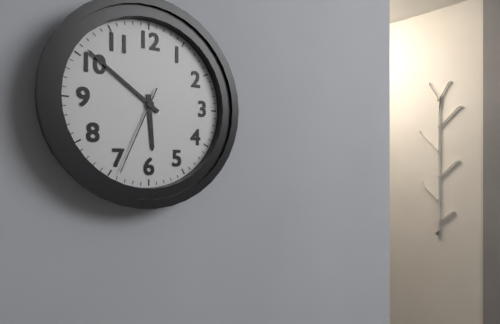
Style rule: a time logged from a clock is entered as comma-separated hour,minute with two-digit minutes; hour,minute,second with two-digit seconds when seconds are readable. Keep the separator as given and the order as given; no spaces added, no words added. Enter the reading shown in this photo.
5,51,34
